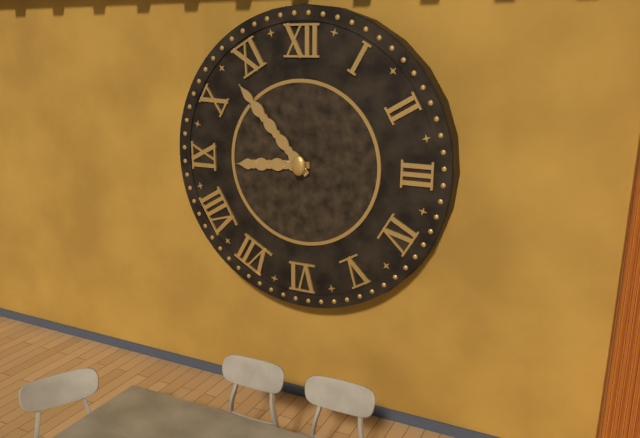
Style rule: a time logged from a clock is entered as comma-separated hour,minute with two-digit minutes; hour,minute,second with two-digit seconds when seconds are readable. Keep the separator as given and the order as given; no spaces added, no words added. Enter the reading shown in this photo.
8,53
